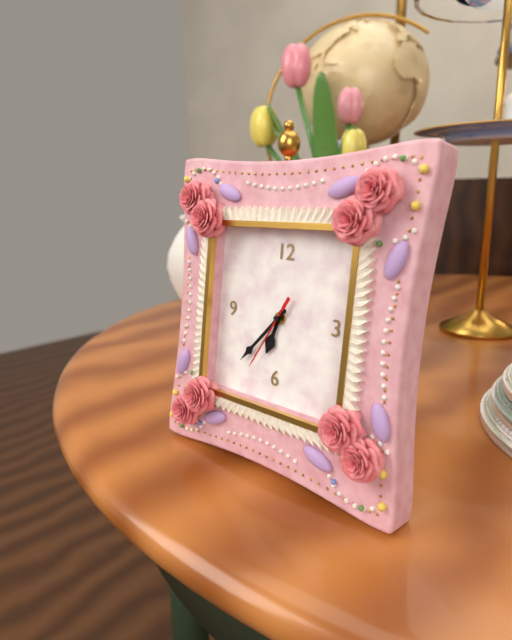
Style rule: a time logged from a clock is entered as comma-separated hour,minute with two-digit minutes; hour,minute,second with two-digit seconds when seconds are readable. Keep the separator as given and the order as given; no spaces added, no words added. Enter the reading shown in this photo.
6,37,35
